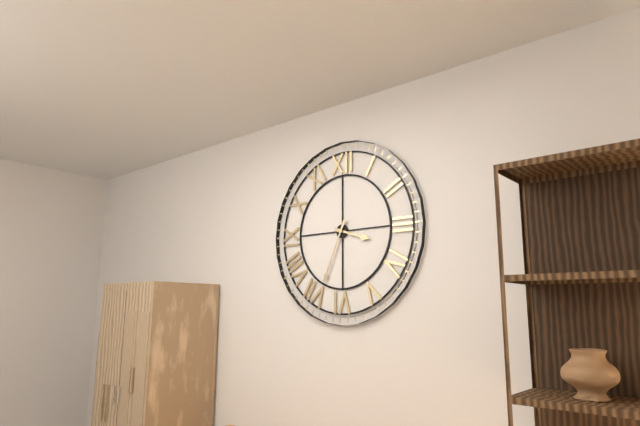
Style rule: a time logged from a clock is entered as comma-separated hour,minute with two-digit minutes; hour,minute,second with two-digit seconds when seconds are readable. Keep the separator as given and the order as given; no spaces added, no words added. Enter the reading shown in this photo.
3,34
